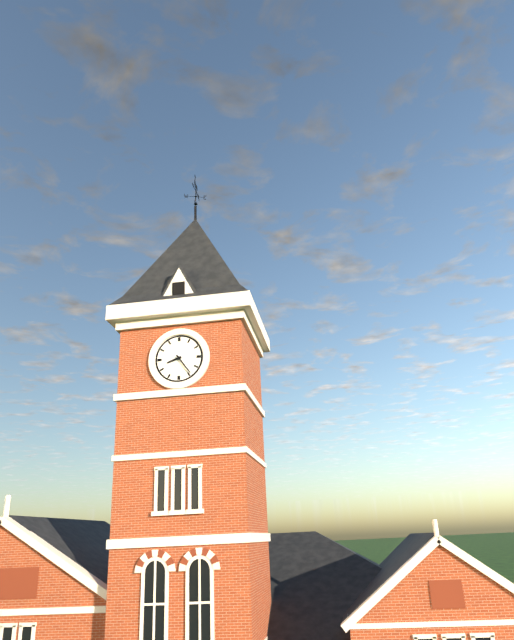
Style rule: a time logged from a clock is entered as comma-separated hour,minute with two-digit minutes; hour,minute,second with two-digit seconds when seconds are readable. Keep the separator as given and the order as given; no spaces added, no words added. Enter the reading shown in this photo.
8,24
